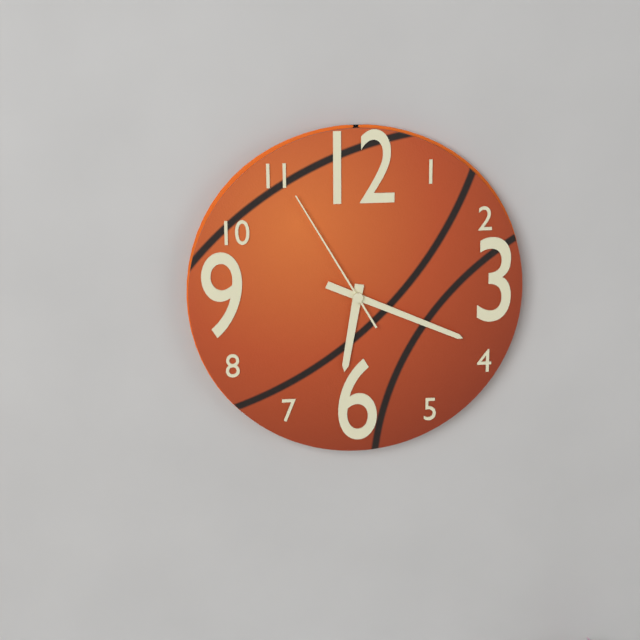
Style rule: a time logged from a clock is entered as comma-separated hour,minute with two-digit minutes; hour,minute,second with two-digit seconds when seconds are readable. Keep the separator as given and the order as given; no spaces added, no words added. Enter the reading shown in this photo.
6,19,55
